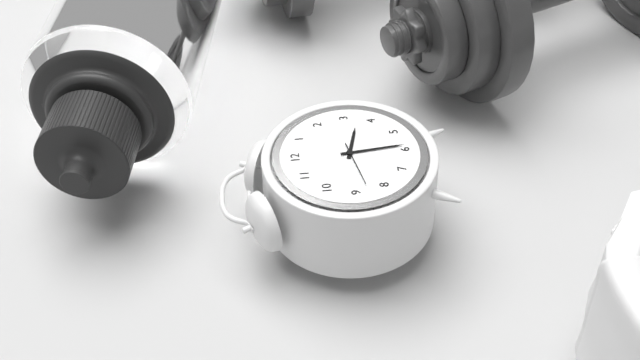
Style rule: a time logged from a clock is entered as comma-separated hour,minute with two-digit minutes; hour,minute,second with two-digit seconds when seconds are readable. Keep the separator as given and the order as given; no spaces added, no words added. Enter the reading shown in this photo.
3,29
